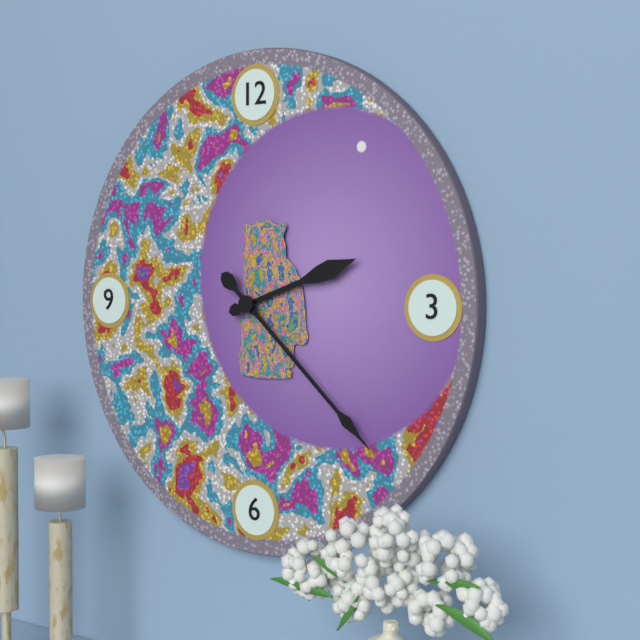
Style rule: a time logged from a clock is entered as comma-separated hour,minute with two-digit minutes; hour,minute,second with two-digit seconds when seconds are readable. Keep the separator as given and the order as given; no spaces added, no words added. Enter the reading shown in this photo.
2,22
